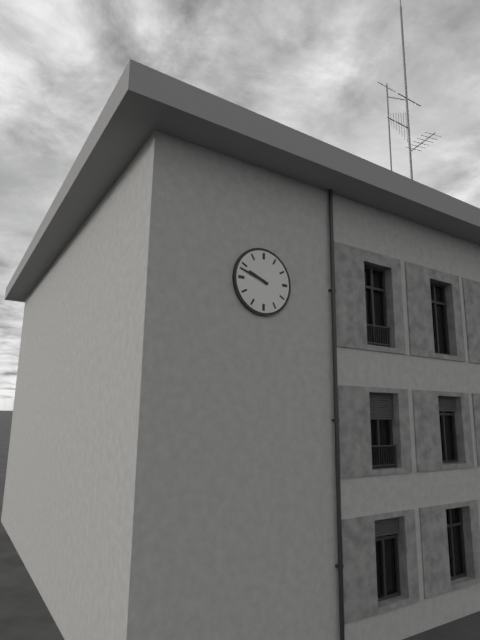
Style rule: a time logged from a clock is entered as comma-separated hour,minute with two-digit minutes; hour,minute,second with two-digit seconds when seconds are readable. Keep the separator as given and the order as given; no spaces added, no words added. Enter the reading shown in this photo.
9,48
